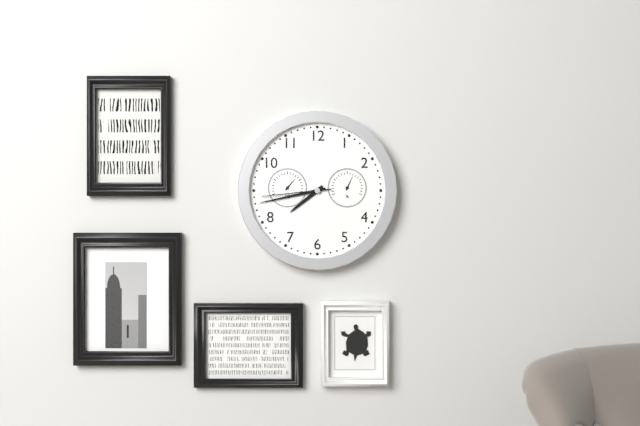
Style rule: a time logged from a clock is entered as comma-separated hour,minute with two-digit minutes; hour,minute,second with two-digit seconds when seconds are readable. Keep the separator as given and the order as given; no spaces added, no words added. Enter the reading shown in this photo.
7,43,44
